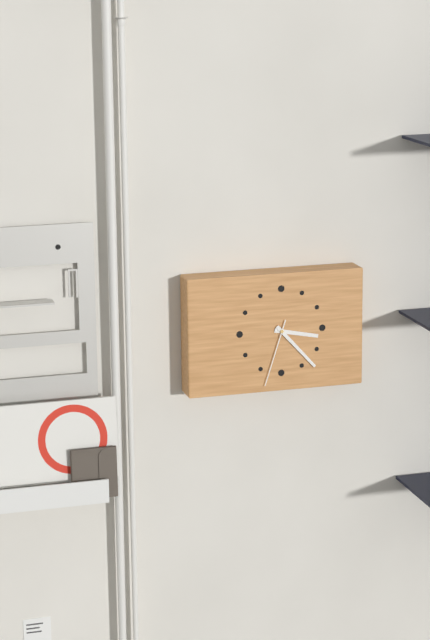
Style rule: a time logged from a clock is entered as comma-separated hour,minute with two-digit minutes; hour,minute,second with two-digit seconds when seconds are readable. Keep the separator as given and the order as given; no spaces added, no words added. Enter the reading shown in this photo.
3,23,33
